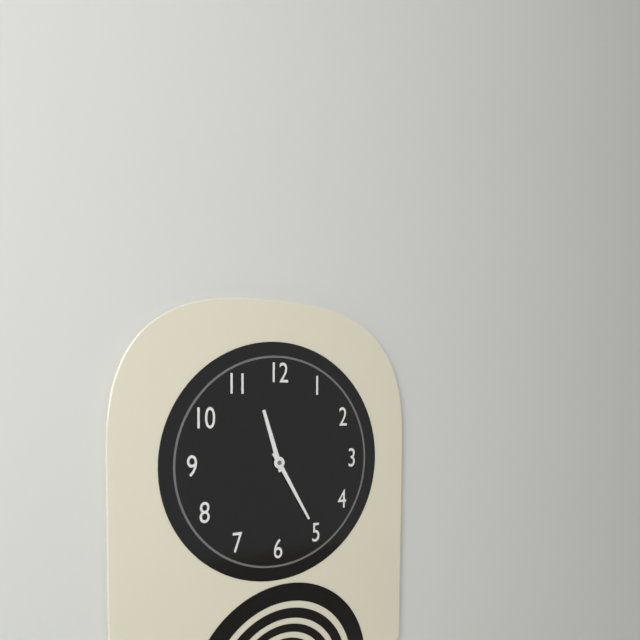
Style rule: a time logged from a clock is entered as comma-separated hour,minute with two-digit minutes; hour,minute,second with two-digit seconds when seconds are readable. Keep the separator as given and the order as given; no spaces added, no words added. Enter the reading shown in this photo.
11,25
